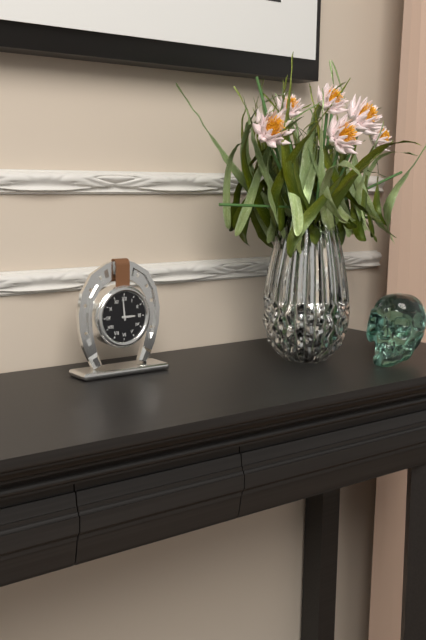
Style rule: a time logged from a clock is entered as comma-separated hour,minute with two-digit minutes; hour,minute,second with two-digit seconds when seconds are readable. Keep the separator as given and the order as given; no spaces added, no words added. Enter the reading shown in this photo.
2,59
